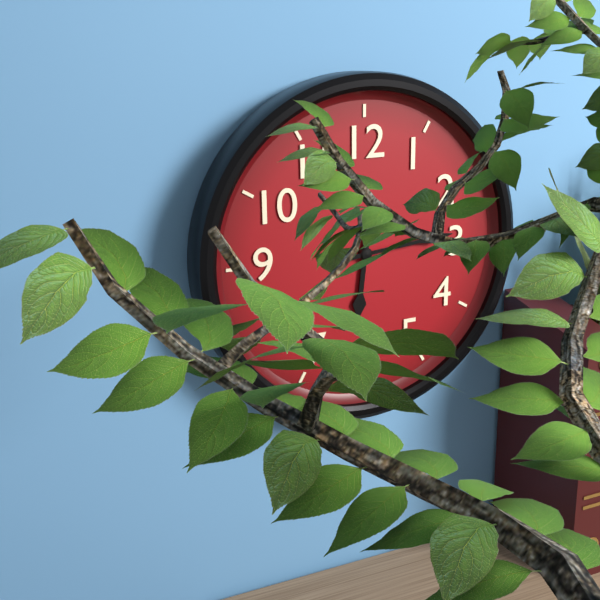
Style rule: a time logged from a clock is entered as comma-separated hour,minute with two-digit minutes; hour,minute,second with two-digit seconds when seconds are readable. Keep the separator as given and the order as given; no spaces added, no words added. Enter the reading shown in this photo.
6,14
